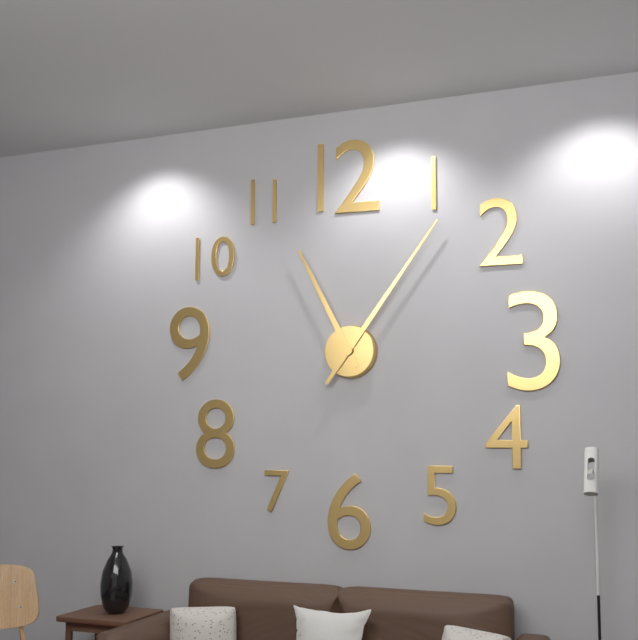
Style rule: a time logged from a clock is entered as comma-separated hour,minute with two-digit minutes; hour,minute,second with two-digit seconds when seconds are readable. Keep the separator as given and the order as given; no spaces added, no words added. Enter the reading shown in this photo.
11,06
